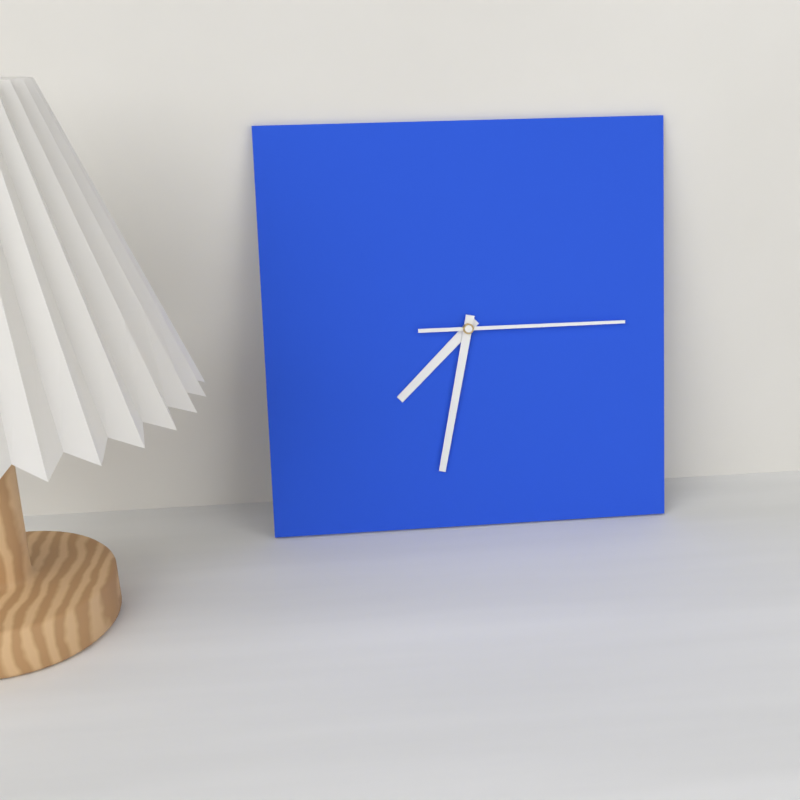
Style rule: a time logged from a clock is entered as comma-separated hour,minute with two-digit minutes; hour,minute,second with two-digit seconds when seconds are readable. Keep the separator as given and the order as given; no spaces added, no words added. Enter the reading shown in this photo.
7,32,15
